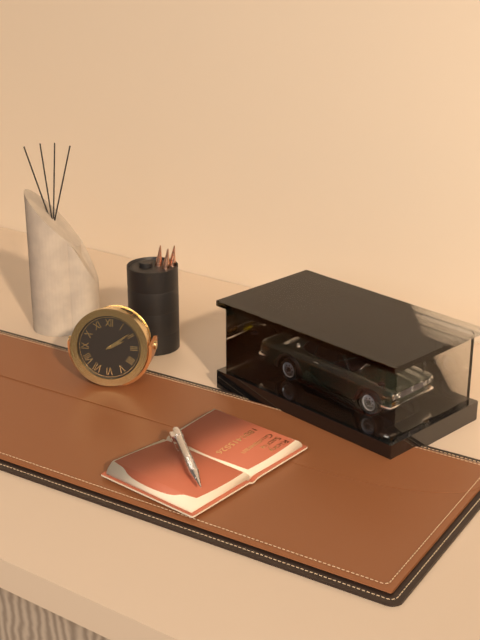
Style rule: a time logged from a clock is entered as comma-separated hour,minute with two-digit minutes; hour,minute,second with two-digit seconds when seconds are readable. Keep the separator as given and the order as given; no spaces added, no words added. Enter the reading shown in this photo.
2,09
